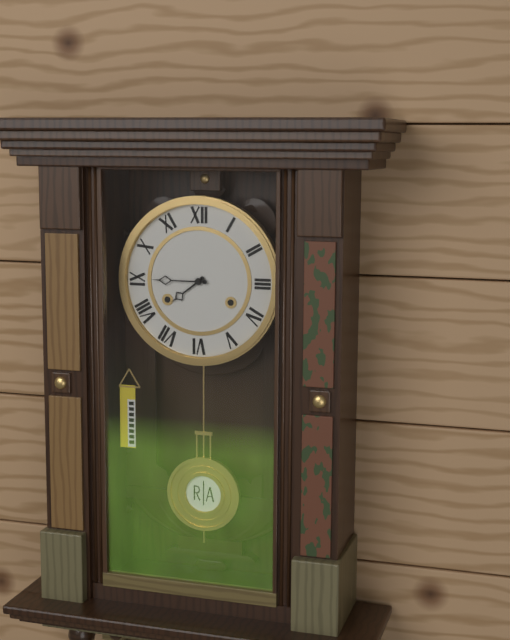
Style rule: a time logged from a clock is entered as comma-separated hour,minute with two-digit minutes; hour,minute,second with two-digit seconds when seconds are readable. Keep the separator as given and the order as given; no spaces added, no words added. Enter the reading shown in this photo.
7,45
